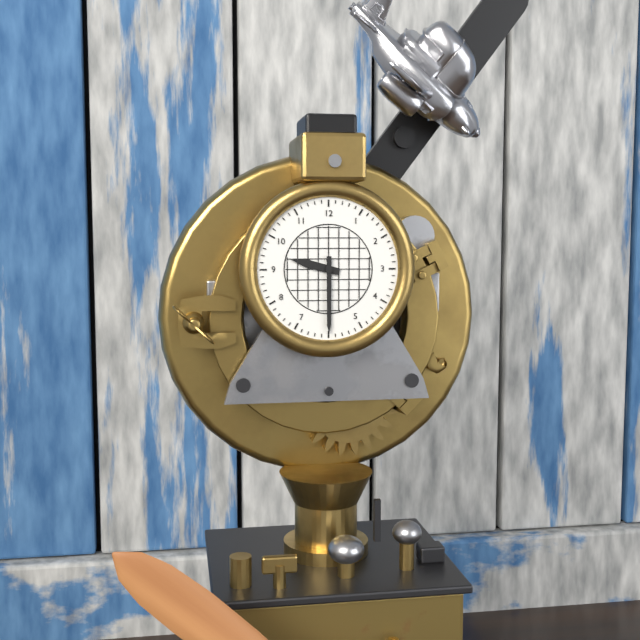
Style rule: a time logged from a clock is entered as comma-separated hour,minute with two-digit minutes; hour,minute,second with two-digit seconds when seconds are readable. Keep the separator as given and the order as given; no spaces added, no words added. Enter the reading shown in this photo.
9,30
